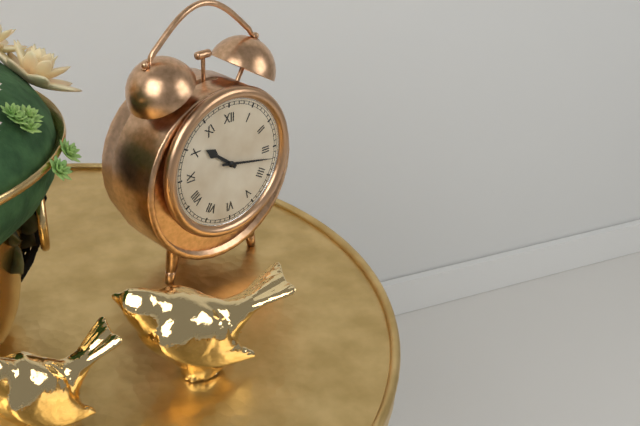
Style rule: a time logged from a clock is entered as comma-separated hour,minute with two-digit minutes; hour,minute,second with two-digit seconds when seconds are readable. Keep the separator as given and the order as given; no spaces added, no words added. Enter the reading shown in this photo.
10,17
